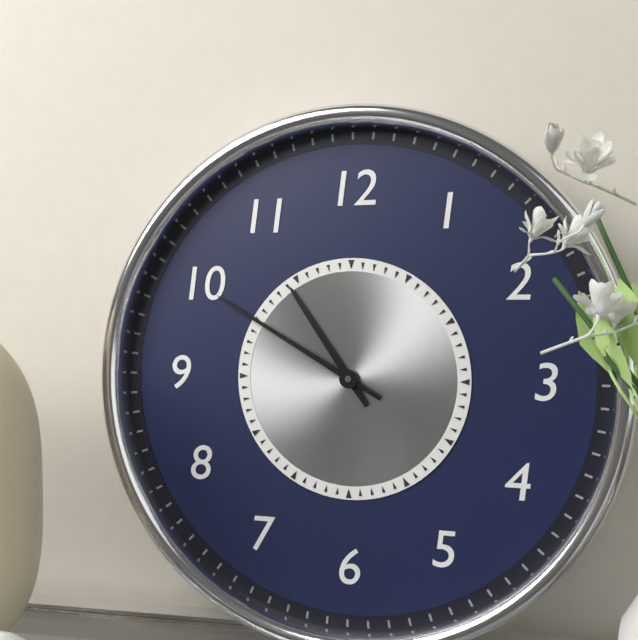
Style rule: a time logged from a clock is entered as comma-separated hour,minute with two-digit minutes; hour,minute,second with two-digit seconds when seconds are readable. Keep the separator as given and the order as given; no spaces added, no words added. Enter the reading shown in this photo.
10,50
